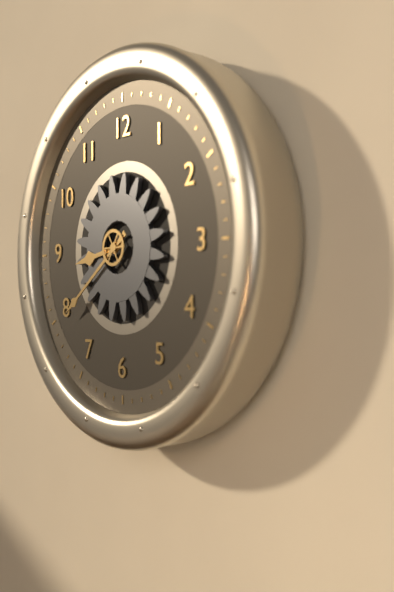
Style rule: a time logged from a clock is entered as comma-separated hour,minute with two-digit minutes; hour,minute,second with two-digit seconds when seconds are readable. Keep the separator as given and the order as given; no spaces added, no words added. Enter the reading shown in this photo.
8,39
